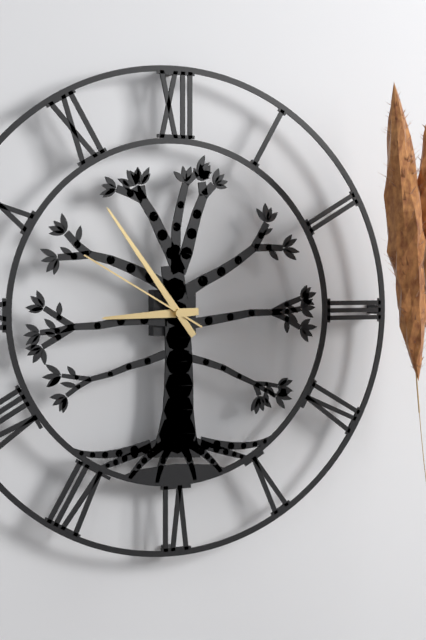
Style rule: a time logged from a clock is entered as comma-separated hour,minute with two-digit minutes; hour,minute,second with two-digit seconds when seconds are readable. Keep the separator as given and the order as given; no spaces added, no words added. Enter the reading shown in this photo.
8,54,50
